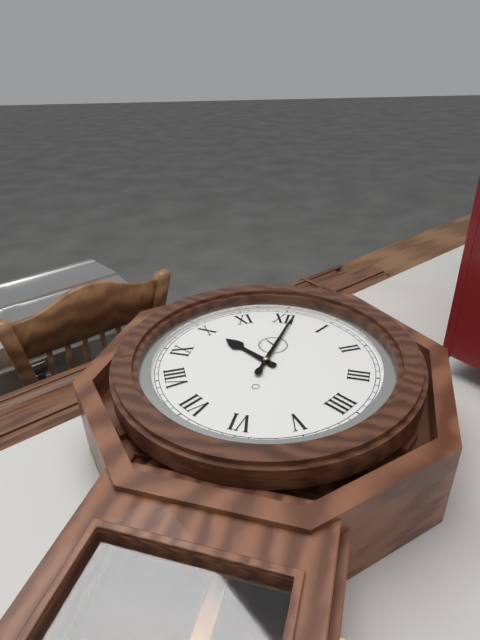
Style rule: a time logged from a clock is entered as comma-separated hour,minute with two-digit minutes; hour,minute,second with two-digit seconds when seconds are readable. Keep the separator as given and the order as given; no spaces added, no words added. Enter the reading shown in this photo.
10,01
